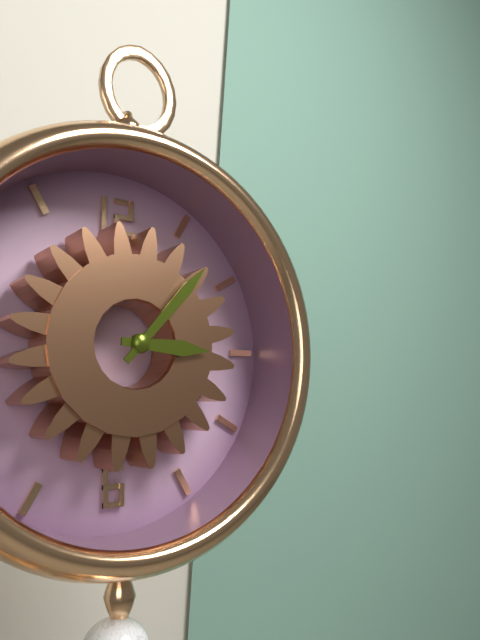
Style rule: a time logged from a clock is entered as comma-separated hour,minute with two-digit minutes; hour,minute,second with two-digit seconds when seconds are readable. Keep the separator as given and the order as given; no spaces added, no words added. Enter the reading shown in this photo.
3,07
